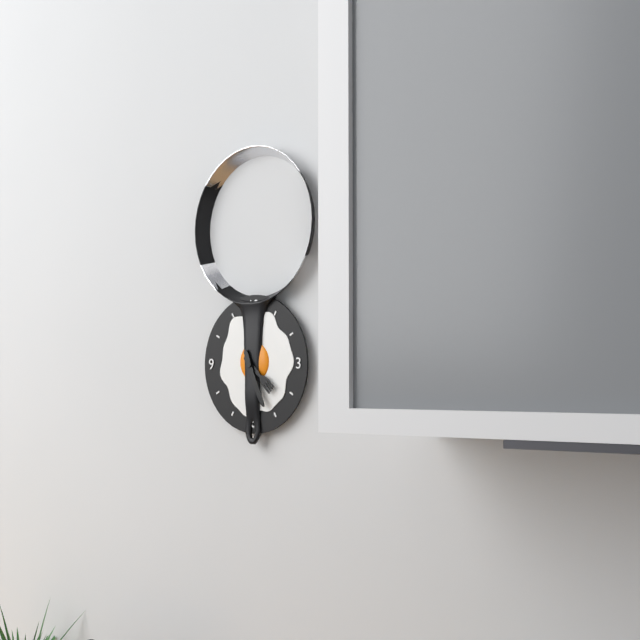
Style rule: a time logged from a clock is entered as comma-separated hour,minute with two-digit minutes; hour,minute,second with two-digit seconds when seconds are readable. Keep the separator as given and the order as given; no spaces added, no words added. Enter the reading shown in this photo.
4,26
